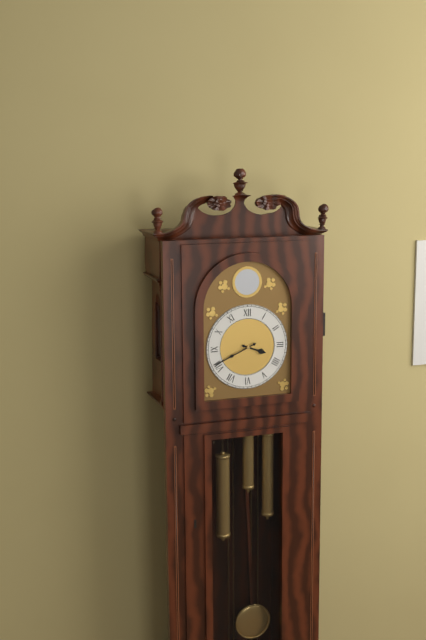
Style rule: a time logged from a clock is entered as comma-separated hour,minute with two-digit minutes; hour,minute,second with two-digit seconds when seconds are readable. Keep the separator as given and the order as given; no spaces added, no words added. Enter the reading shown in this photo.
3,41
